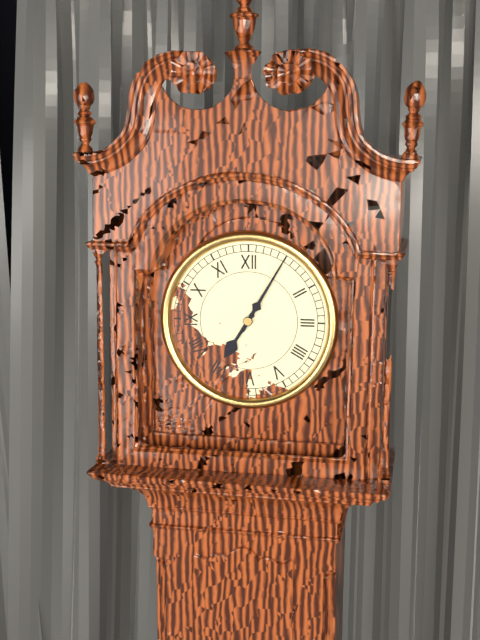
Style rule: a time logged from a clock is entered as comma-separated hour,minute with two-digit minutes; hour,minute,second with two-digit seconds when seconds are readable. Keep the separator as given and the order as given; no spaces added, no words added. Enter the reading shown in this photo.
7,05
